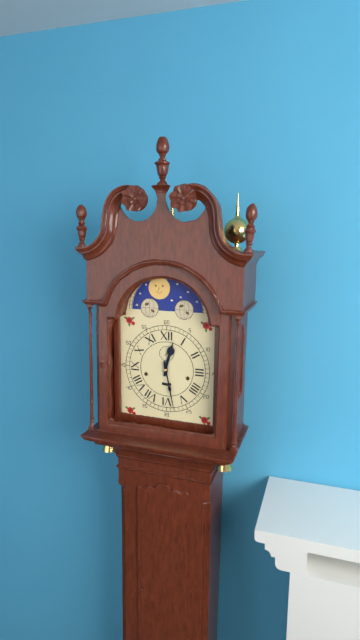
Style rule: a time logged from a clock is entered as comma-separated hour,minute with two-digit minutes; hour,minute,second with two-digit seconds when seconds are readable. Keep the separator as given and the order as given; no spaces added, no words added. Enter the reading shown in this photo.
12,28
